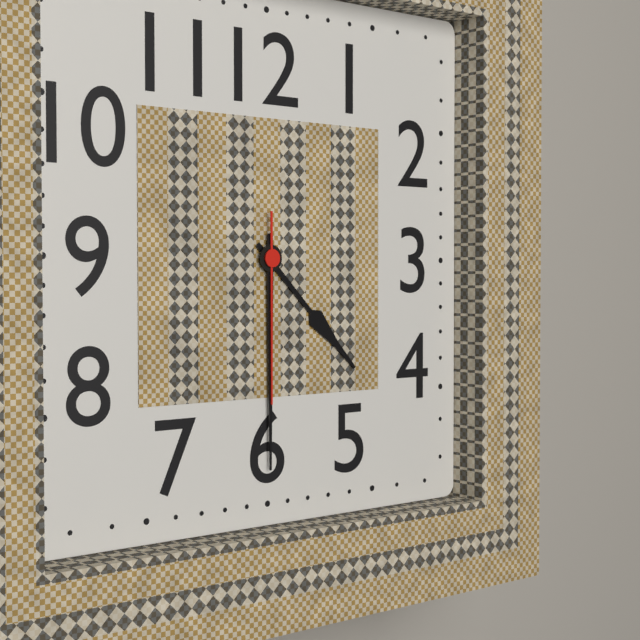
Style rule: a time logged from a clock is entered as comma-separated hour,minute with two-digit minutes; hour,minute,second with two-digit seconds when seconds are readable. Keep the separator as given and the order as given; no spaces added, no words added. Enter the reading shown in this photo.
4,30,30
